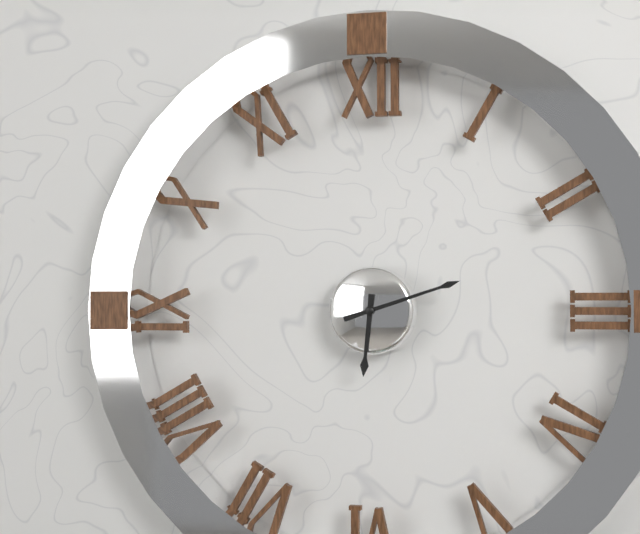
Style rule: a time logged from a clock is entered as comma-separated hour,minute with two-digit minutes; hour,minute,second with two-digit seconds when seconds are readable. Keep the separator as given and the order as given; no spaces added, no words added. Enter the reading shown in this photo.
6,12
